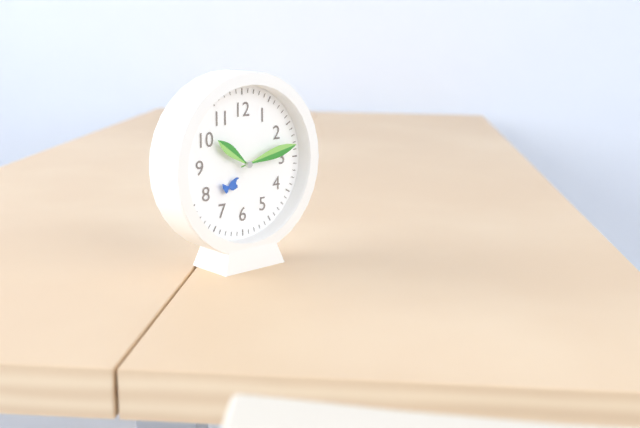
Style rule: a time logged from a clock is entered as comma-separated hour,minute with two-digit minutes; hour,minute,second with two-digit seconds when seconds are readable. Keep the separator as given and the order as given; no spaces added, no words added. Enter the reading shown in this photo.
10,13
